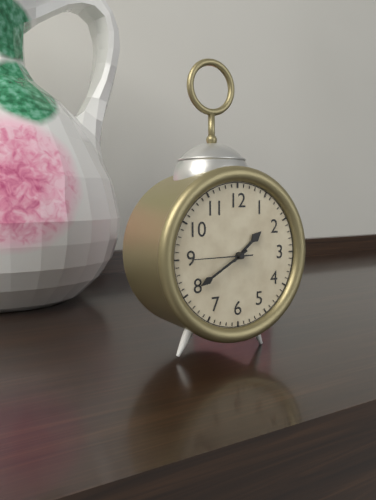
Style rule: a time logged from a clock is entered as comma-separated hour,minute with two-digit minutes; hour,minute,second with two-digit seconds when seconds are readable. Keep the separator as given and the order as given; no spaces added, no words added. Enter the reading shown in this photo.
1,40,45
